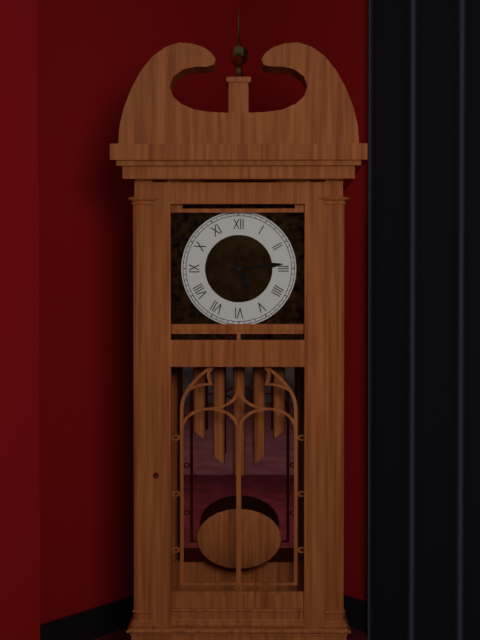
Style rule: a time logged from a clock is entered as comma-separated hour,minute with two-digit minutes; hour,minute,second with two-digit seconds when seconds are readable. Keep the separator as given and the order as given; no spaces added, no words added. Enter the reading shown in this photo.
5,14
